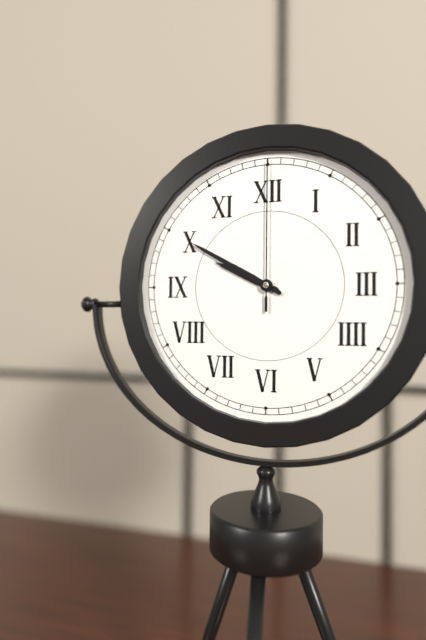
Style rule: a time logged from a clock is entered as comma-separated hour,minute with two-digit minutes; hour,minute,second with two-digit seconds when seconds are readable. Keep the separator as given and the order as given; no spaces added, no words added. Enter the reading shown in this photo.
9,50,00
